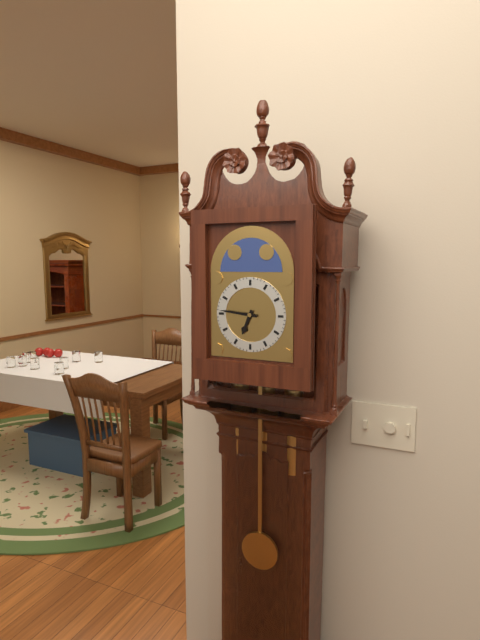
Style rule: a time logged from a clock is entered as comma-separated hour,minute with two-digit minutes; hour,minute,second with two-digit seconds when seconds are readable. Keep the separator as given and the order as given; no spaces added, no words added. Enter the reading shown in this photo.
6,46
